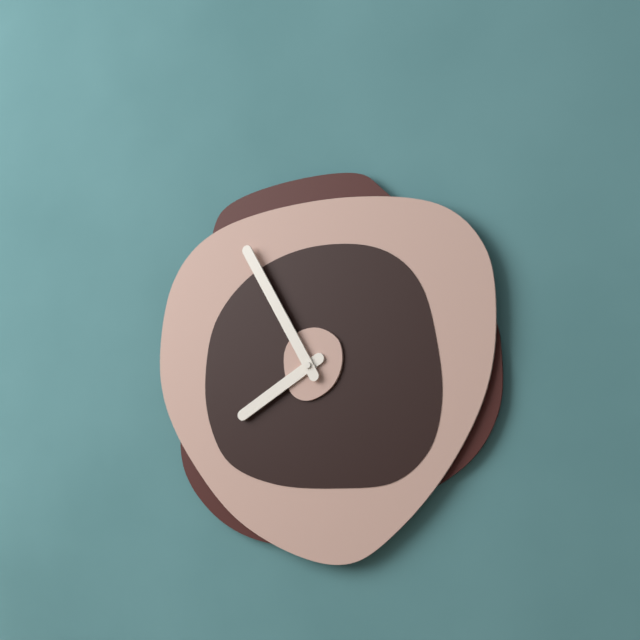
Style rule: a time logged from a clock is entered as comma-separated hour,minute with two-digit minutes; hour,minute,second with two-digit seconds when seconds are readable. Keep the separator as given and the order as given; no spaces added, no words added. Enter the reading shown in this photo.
7,55
